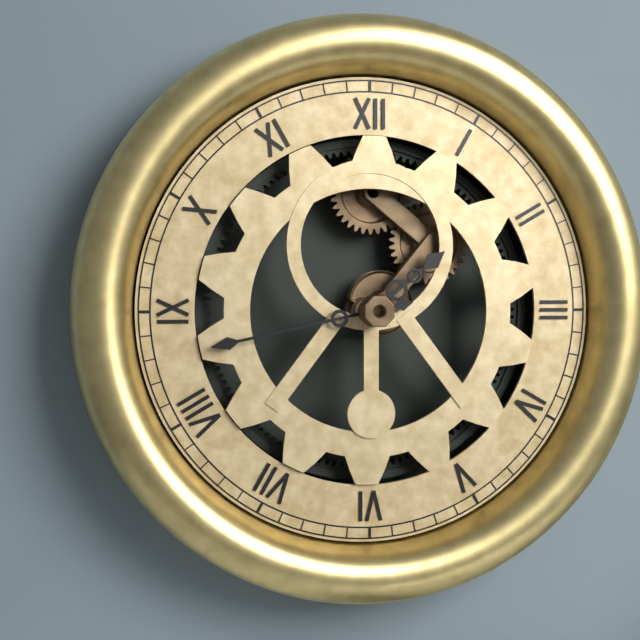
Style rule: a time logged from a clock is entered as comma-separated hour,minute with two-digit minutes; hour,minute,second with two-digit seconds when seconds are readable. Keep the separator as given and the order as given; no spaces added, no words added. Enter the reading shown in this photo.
1,43
